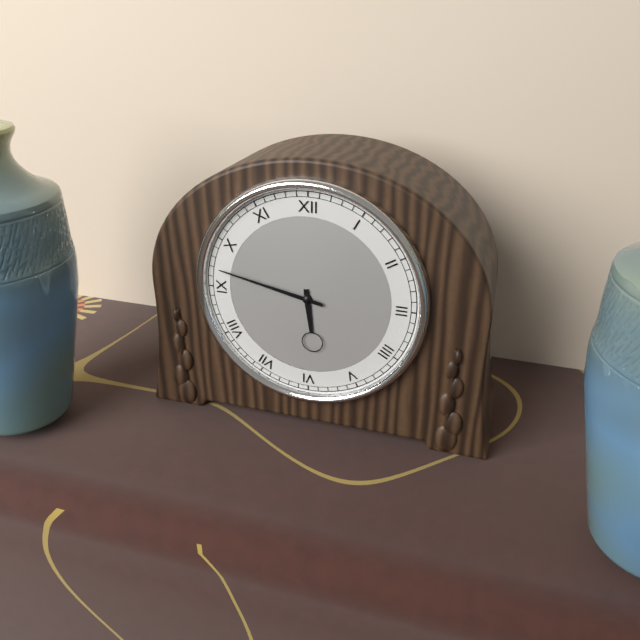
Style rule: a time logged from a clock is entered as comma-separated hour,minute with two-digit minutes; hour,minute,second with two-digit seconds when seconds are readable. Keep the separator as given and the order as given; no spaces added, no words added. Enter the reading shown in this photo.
5,47
